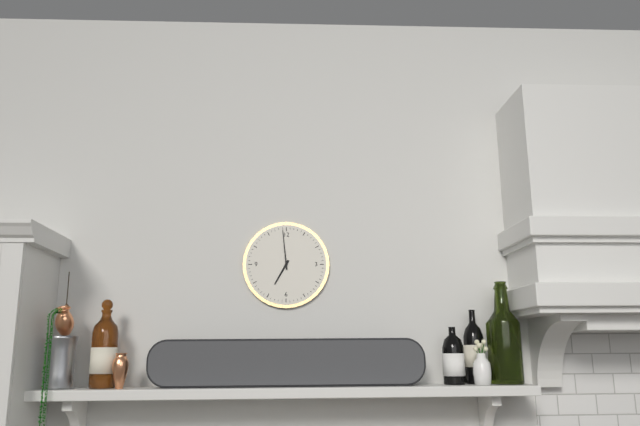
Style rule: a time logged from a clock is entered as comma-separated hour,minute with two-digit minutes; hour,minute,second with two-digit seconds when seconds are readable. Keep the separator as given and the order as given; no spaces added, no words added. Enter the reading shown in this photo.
6,59
